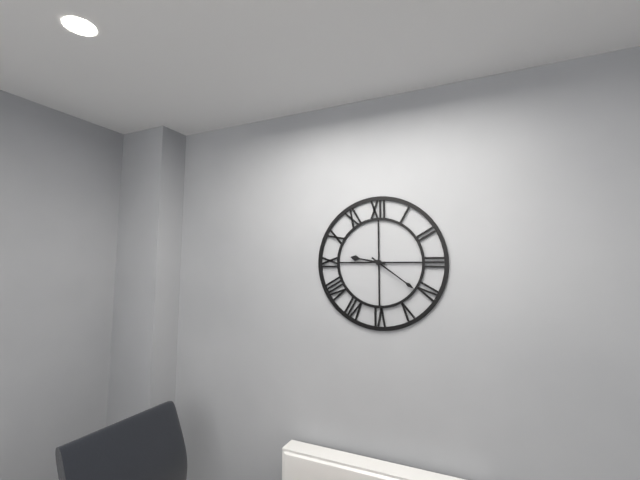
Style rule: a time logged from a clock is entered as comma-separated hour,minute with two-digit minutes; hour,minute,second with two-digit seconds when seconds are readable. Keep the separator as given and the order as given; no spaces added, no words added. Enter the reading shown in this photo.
9,21
